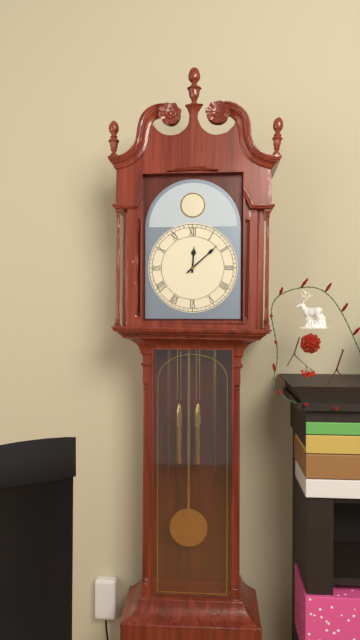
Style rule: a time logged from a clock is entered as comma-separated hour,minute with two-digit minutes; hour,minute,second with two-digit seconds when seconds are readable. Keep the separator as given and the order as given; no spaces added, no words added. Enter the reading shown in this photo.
12,08
